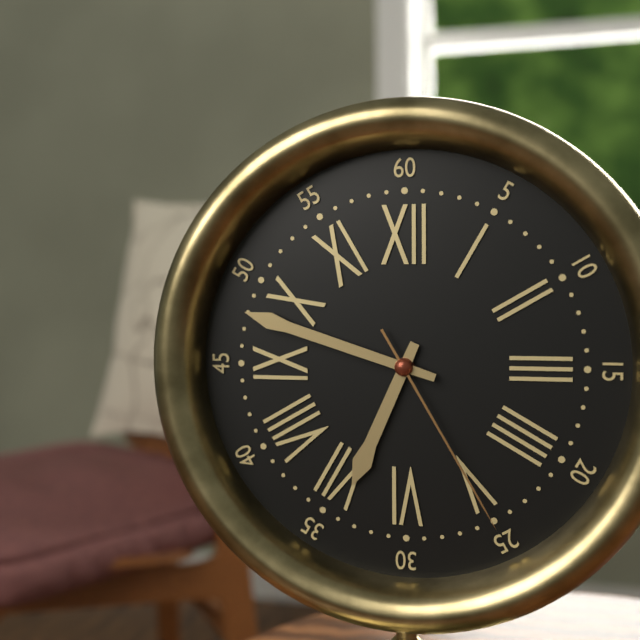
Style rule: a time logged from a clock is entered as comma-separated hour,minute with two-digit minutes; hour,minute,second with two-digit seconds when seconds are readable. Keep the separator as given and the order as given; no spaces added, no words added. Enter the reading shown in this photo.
6,48,25
